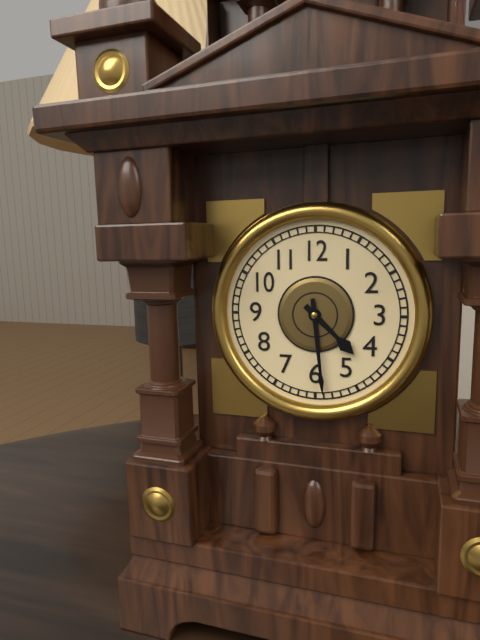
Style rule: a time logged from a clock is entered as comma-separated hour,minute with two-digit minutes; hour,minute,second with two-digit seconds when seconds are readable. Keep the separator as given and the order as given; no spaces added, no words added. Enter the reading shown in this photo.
4,29
